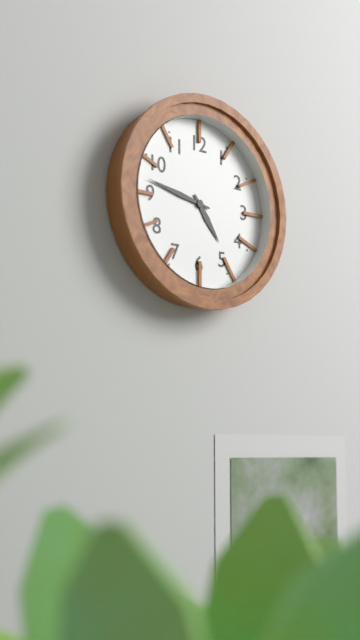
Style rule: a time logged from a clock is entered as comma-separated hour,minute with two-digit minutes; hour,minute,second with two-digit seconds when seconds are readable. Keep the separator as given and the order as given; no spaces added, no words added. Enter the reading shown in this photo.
4,47
